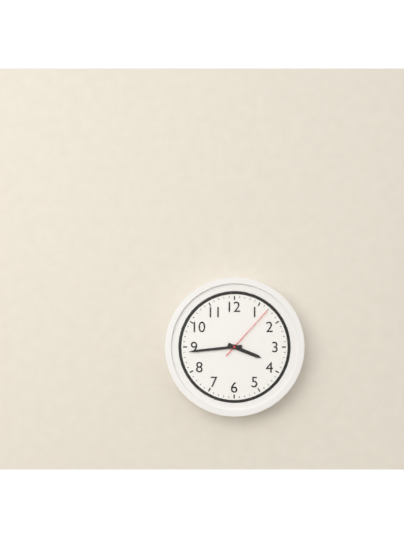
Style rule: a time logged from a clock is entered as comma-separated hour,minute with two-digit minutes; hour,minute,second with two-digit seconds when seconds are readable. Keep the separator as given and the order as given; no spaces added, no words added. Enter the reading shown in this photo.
3,44,07
